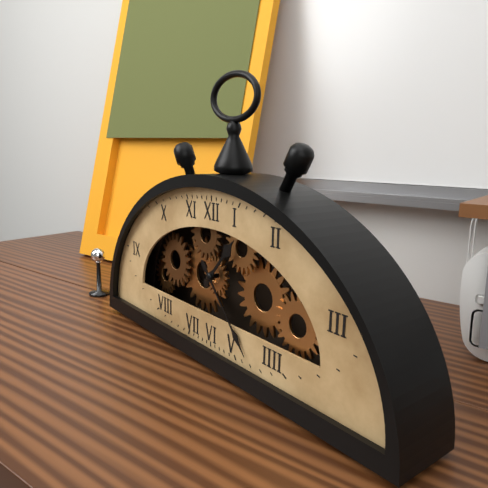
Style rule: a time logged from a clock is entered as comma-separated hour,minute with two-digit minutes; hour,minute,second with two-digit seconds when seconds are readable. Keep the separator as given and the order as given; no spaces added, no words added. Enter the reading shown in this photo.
1,23
